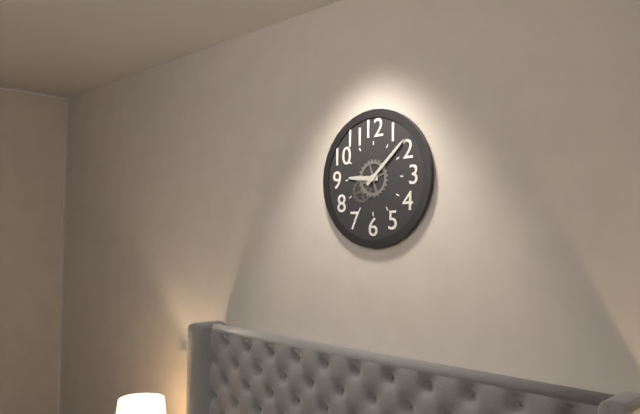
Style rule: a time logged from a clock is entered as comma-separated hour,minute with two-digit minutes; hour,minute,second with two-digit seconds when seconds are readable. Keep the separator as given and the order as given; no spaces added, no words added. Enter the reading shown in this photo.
9,08
